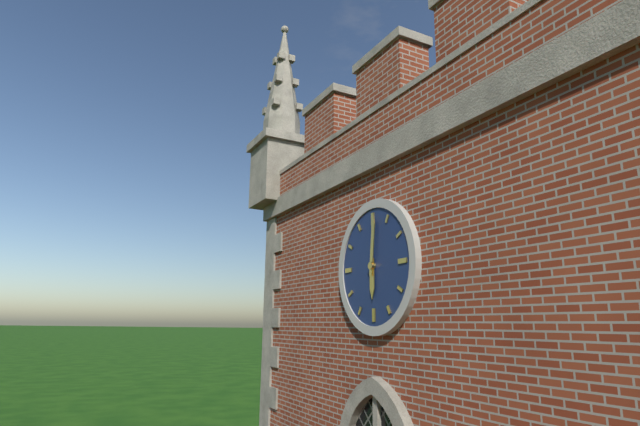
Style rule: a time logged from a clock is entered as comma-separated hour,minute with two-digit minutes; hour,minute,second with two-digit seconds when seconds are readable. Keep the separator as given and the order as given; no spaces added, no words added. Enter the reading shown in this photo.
6,01
